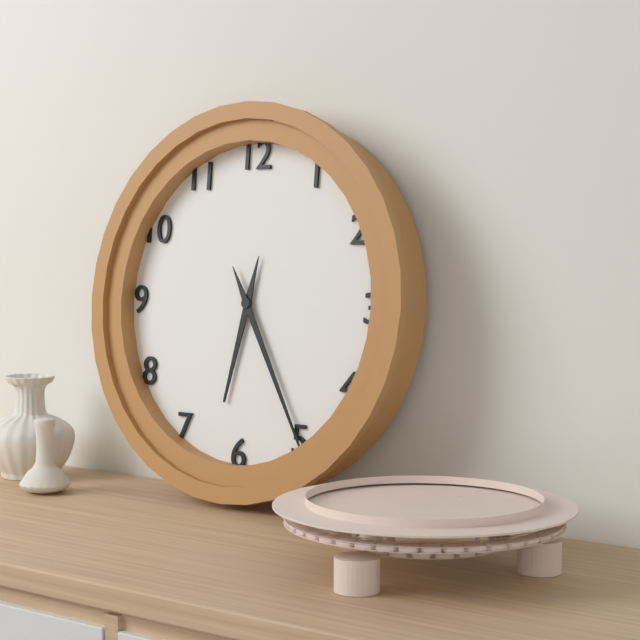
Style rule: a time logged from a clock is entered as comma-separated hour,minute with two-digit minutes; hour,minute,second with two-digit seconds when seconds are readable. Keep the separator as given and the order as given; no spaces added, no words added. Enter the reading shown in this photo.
6,25
